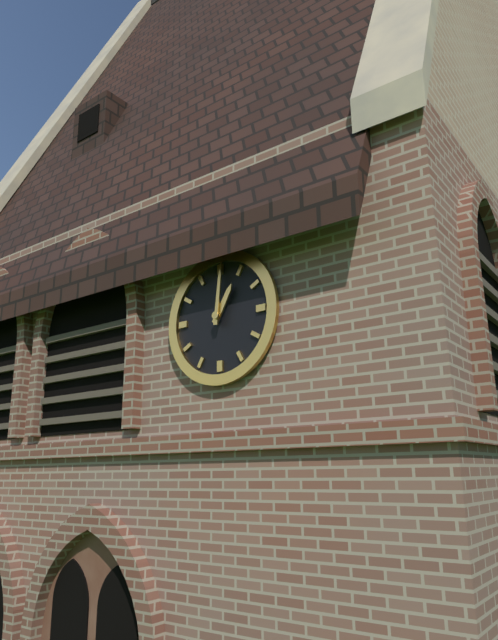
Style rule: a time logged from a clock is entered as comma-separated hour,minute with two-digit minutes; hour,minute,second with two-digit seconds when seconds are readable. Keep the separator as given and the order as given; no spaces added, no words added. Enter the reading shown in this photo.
1,01
